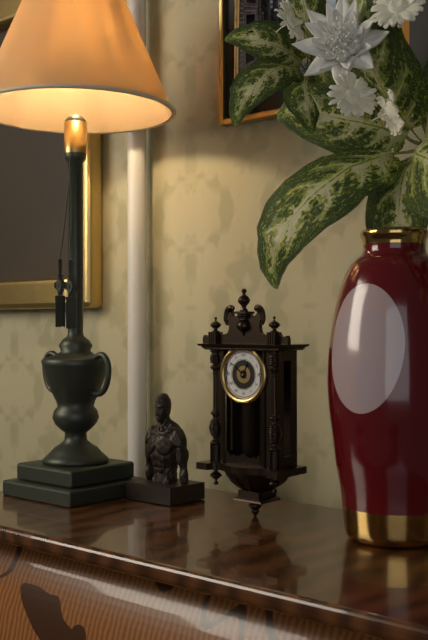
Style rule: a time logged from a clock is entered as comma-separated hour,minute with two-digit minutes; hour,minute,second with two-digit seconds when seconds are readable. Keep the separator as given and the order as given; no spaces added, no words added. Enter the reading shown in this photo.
12,51
